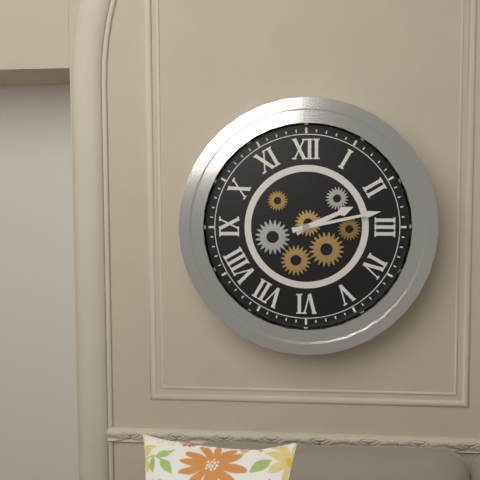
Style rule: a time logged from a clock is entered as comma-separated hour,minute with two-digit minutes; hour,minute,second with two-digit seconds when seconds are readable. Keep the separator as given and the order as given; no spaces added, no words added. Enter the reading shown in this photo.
2,13
